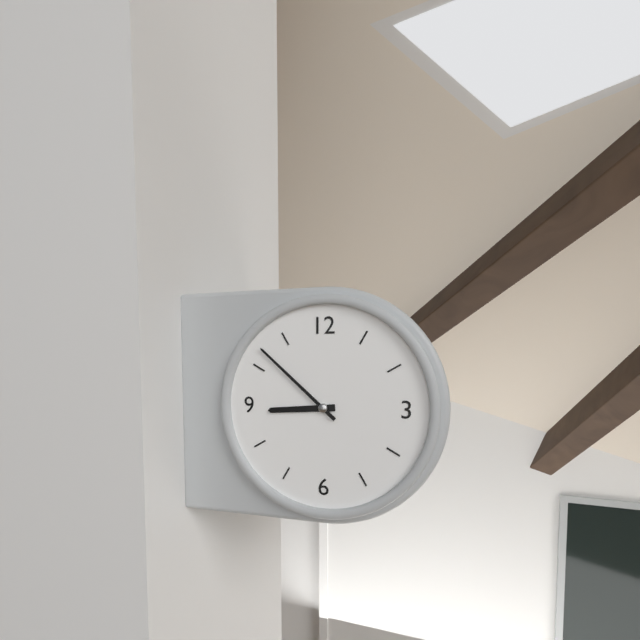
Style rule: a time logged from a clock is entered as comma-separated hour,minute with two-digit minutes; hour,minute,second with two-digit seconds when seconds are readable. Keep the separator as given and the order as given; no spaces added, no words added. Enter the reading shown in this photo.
8,52
